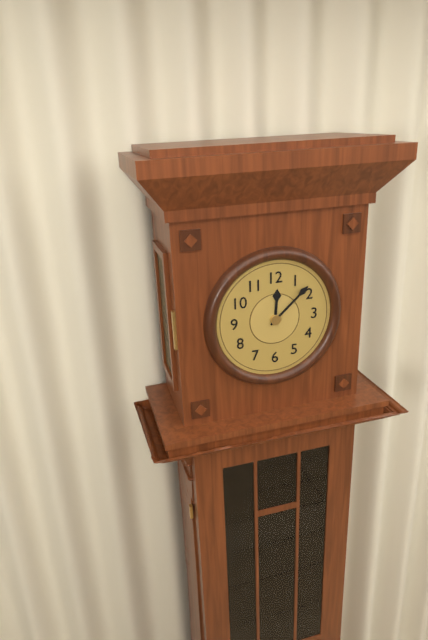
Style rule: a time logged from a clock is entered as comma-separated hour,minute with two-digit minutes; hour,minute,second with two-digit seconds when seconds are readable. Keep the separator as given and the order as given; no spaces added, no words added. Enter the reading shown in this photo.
12,08
